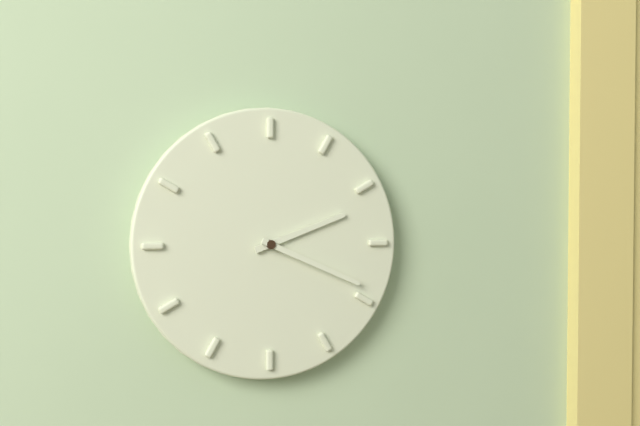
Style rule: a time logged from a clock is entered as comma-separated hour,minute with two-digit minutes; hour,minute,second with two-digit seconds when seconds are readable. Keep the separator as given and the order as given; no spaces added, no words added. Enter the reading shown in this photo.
2,19
